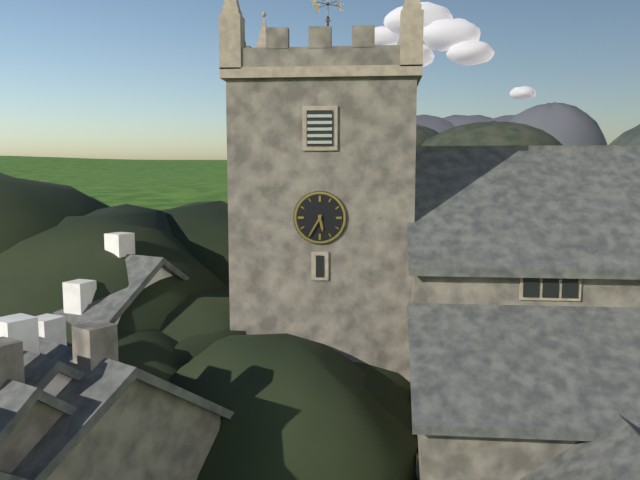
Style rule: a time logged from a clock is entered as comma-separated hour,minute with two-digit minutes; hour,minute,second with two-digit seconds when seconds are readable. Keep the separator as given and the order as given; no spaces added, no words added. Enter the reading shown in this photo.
5,35
